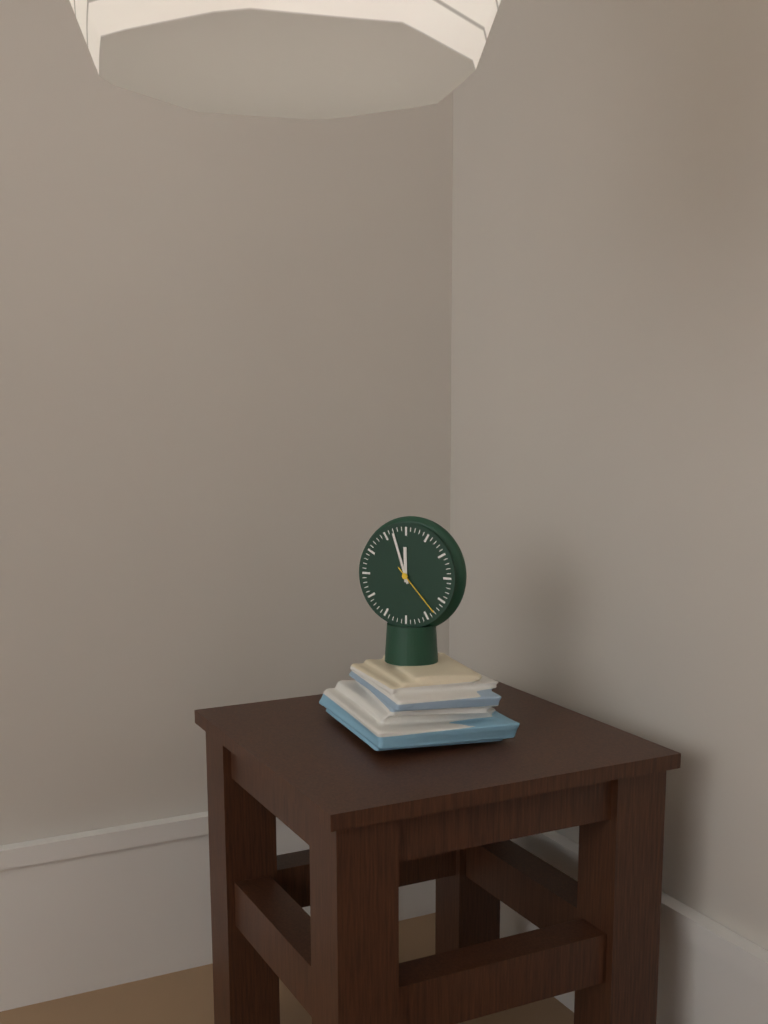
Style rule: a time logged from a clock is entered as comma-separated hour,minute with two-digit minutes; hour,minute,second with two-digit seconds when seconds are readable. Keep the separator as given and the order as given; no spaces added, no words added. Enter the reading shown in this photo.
11,57,23
